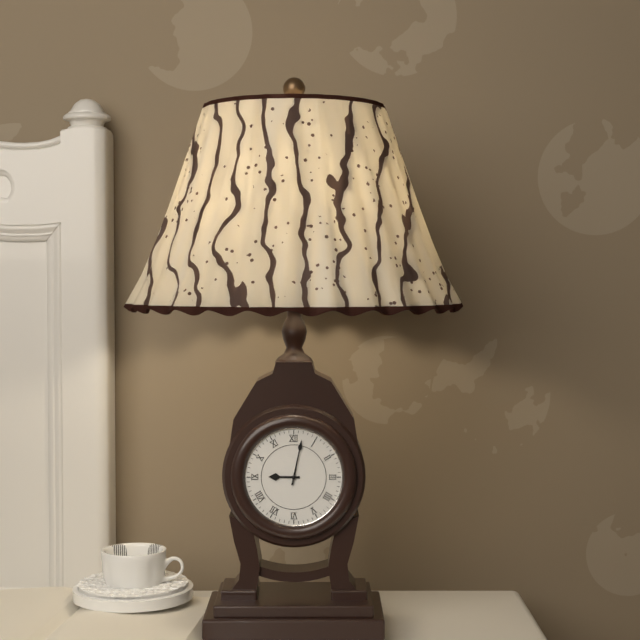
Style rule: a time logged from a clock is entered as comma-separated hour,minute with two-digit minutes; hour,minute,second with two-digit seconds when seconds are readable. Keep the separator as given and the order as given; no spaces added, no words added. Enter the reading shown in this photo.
9,02
